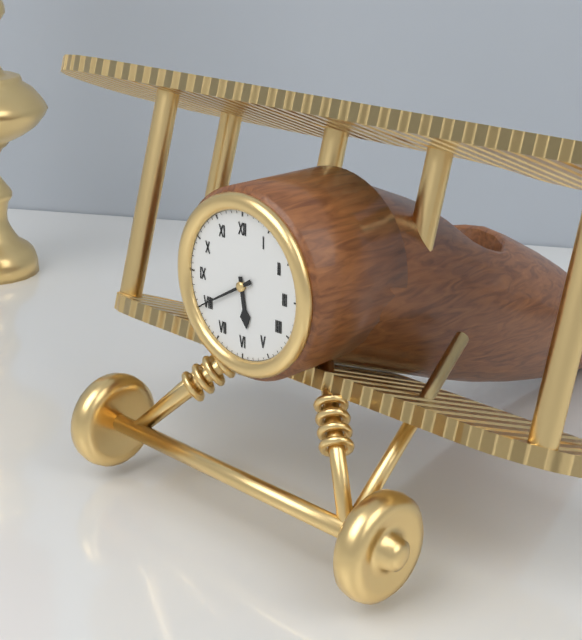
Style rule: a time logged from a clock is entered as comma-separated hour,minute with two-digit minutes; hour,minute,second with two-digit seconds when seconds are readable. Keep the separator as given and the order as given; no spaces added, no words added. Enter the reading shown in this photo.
5,40
